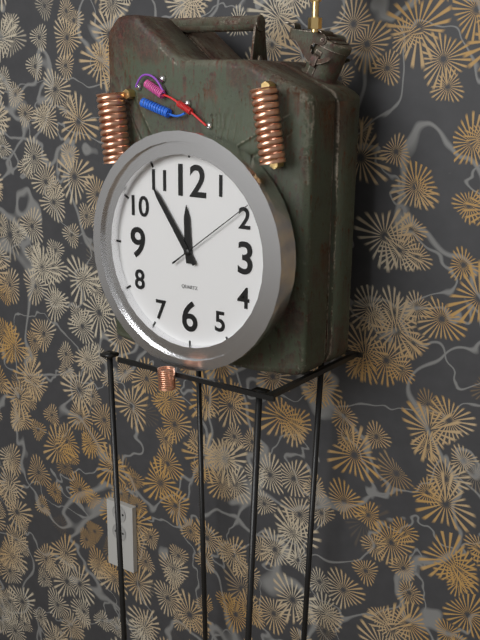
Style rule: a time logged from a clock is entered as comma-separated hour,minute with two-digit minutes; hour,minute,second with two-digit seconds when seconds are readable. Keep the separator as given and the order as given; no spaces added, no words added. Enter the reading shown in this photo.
11,54,09
